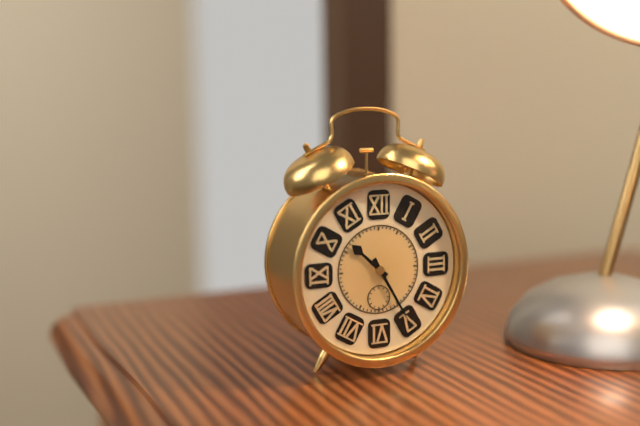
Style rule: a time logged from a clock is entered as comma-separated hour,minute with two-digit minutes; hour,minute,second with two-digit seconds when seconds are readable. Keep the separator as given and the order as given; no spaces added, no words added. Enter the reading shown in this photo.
10,25
